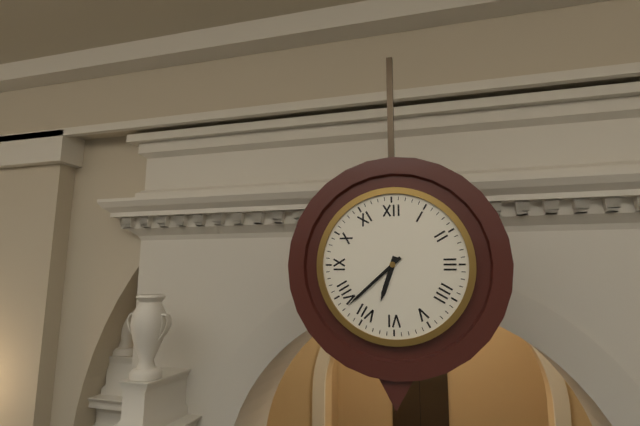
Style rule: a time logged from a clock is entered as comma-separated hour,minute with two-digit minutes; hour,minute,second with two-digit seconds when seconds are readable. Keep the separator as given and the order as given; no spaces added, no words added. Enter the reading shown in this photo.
6,38
